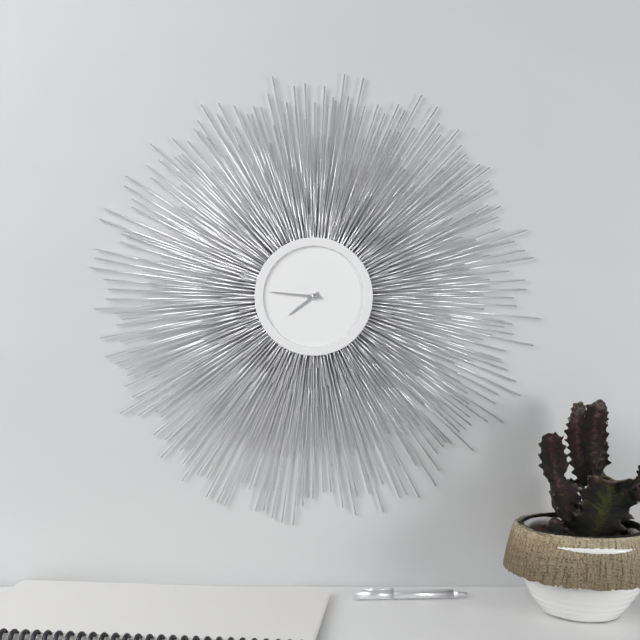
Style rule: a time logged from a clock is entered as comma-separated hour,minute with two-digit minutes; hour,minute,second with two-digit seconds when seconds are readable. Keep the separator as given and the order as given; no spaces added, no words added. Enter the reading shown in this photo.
7,46
